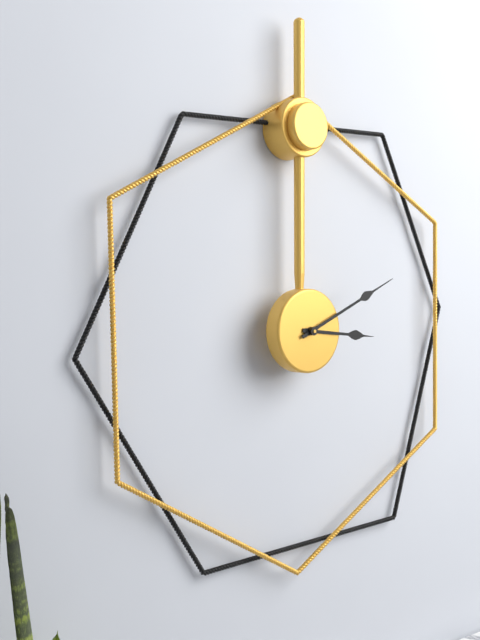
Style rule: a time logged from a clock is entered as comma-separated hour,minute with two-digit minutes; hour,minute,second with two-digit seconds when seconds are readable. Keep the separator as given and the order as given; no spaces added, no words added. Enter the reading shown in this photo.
3,11
